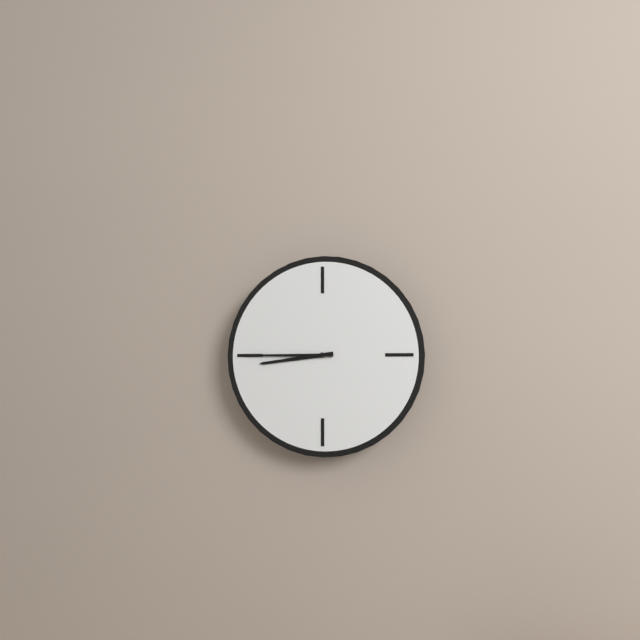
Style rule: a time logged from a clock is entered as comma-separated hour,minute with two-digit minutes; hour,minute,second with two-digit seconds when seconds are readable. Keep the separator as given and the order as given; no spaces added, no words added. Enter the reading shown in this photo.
8,45
